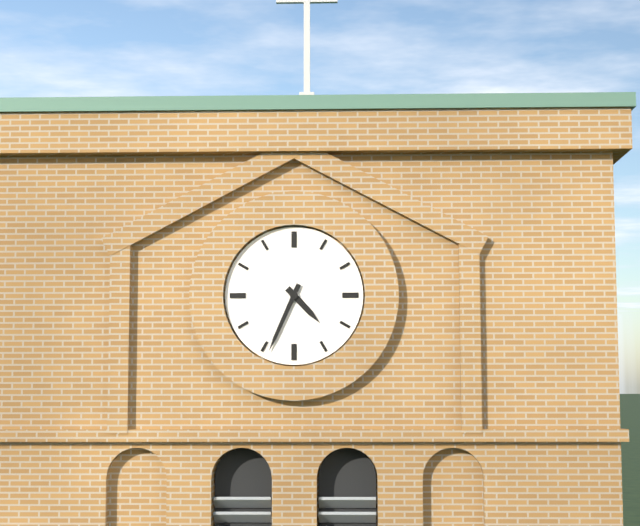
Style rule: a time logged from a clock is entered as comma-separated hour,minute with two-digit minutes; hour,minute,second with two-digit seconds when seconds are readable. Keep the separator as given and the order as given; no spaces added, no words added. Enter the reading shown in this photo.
4,34
